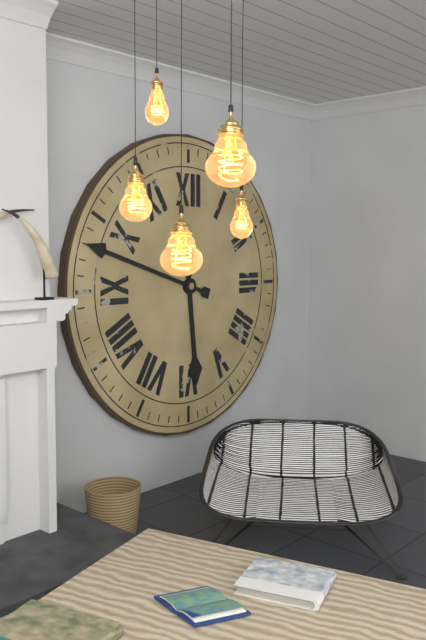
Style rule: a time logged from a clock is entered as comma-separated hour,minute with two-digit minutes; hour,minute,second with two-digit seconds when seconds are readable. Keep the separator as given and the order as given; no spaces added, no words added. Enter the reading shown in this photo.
5,48
